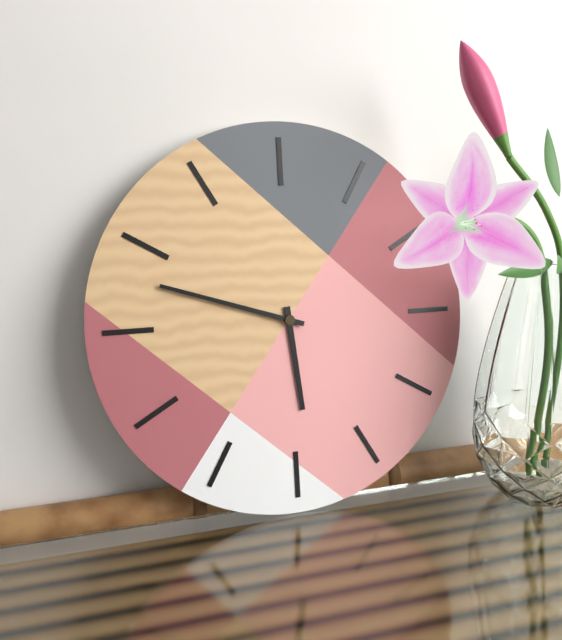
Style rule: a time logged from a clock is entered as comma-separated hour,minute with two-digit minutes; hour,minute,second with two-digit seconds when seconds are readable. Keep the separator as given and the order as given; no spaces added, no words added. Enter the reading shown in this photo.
5,48
